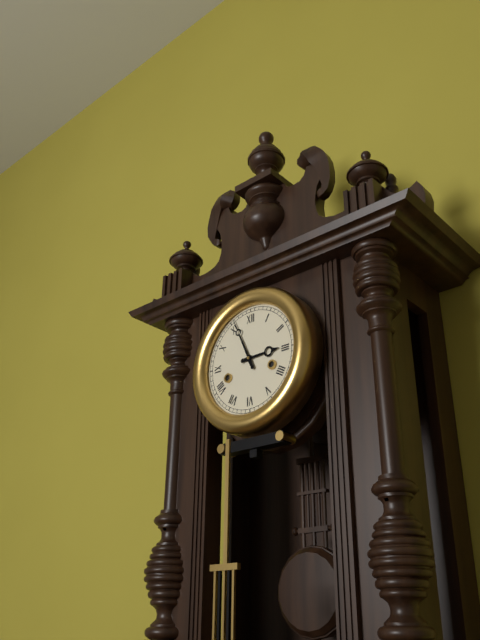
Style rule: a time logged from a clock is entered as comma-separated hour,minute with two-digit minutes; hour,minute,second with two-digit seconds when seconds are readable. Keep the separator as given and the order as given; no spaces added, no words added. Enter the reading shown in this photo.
2,56
